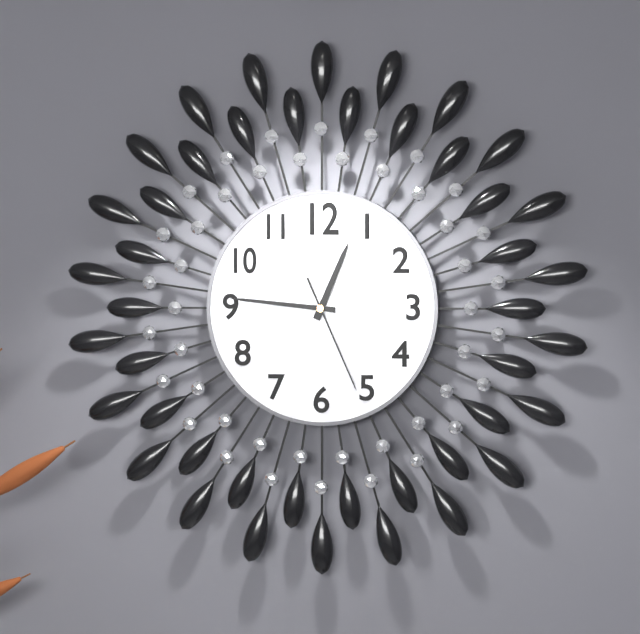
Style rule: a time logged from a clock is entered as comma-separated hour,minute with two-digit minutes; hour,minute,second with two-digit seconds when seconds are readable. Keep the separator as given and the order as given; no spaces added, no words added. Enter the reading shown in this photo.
12,46,26
